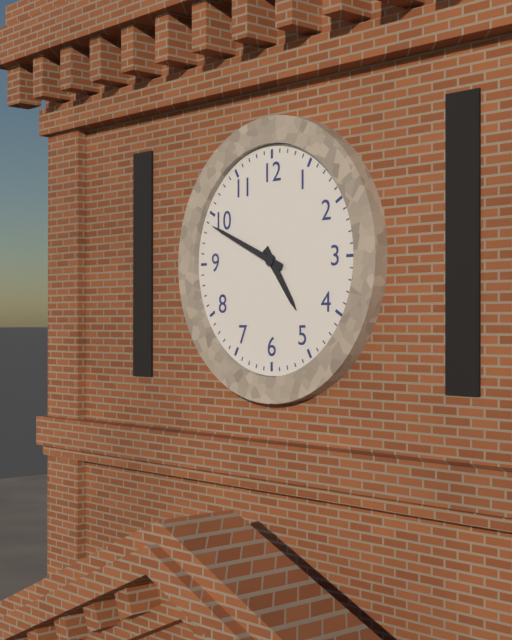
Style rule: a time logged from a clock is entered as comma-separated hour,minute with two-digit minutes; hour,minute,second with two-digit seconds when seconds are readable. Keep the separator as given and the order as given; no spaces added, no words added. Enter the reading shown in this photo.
4,49
